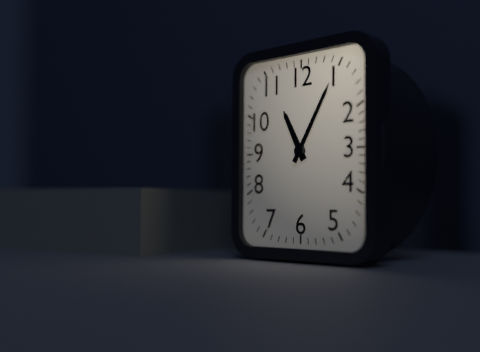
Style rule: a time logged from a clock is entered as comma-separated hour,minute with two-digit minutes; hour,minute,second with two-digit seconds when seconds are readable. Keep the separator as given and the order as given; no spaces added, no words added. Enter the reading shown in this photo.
11,05
